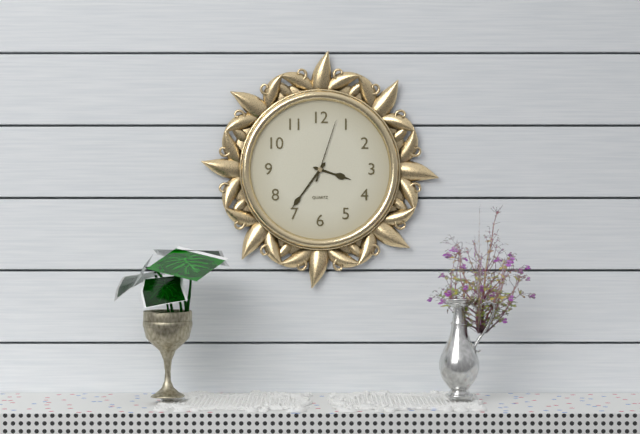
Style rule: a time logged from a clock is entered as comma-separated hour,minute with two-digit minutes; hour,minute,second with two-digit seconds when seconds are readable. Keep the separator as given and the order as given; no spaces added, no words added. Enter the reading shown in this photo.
3,36,03
